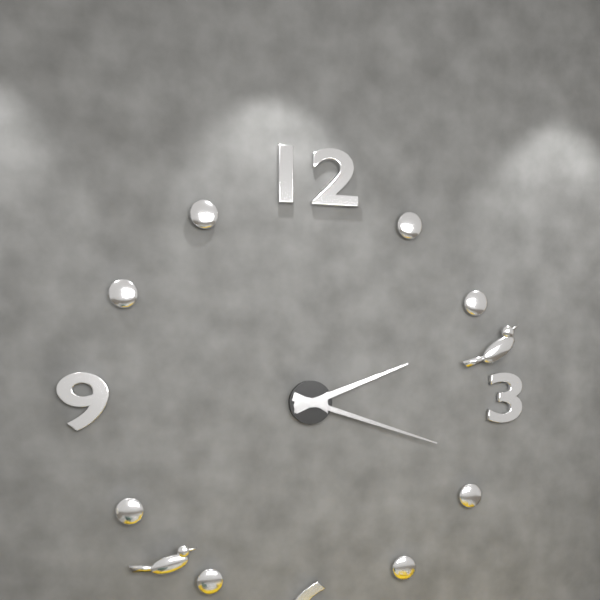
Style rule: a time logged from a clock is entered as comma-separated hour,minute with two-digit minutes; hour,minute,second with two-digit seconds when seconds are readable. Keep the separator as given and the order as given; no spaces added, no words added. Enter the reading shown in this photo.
2,18
